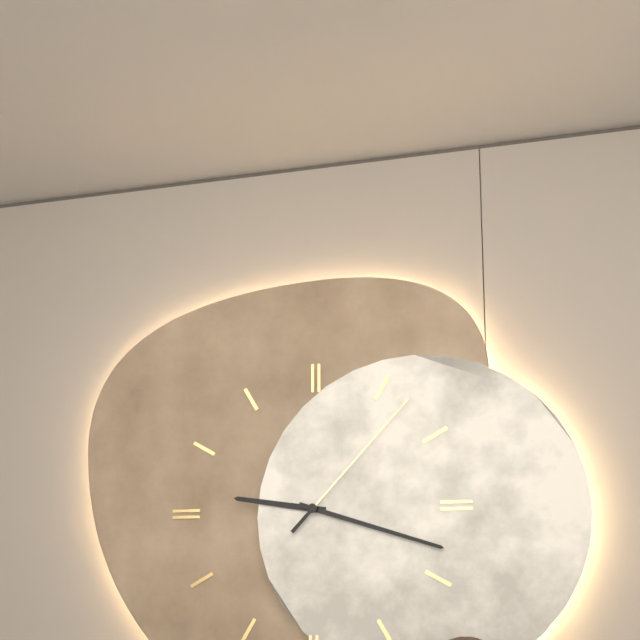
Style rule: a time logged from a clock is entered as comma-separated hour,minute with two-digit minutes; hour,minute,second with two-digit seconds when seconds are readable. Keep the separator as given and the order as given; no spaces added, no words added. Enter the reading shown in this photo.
9,18,07
